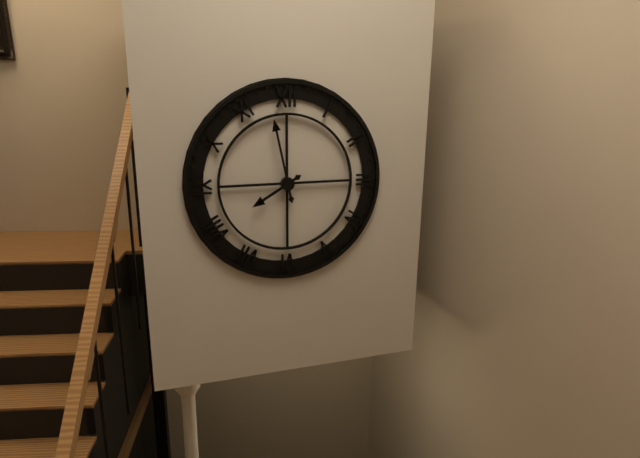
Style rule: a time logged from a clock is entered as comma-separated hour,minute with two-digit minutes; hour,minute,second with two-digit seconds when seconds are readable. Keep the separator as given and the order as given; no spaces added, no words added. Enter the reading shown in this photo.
7,58
